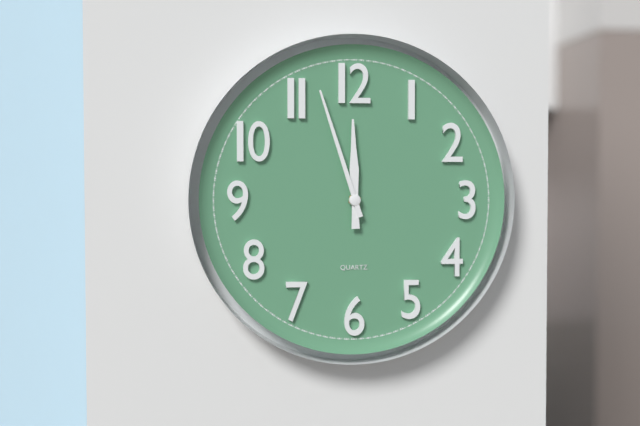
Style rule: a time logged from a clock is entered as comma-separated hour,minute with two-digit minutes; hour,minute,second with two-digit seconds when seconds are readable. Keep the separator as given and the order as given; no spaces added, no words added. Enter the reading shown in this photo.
11,57
